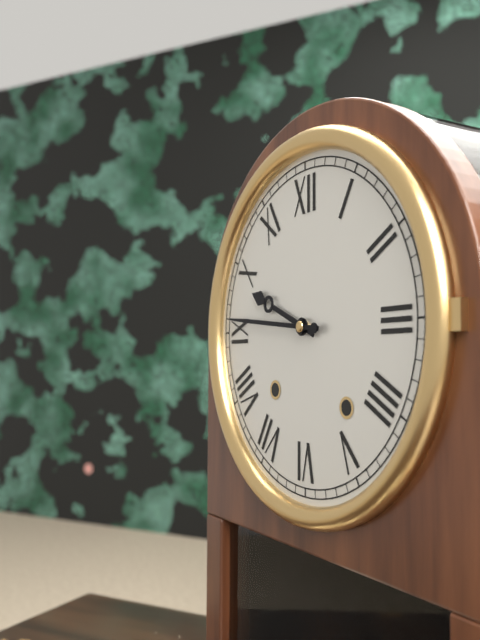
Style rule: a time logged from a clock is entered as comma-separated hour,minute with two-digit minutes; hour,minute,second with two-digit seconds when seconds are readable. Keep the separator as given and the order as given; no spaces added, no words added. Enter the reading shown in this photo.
9,46
